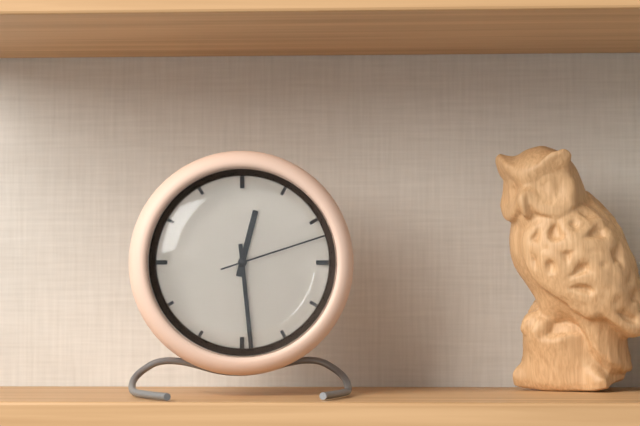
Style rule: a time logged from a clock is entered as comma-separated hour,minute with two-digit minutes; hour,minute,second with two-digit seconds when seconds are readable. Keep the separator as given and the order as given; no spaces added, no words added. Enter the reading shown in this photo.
12,29,12
